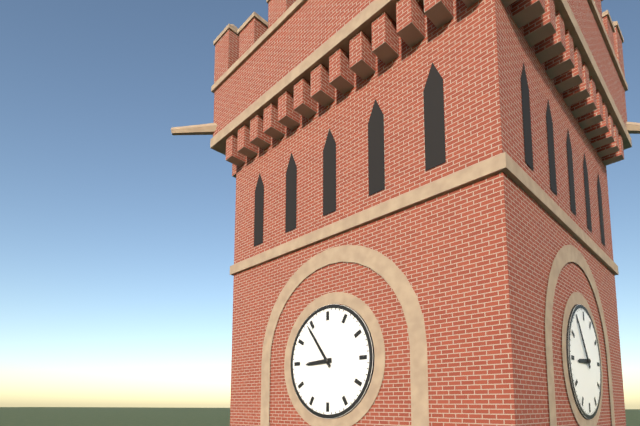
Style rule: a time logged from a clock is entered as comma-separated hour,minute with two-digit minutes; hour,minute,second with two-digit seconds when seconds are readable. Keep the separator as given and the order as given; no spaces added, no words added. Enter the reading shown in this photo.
8,54
